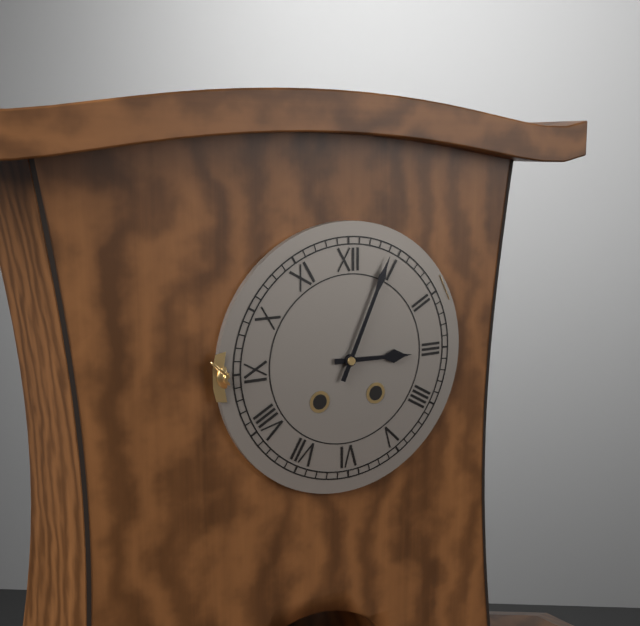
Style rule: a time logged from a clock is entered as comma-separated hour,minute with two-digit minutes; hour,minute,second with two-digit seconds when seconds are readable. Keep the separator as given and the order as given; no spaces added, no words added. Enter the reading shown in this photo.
3,04
